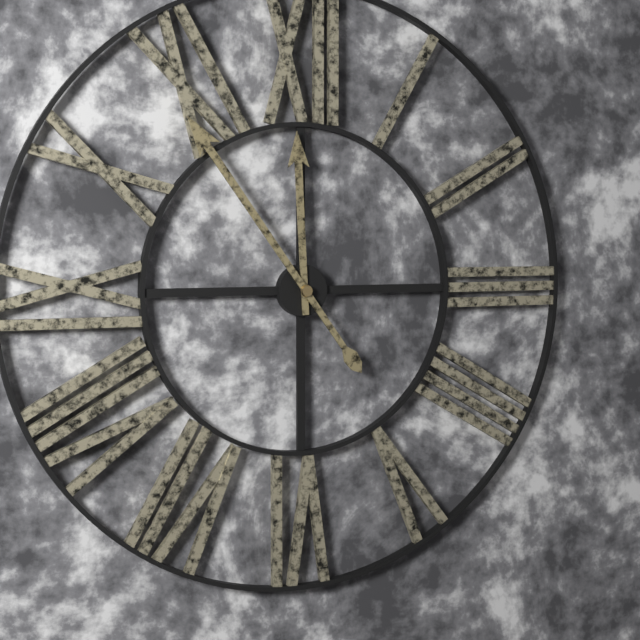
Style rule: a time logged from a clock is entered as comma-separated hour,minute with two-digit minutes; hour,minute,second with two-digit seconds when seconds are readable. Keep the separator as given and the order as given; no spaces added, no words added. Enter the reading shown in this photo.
11,54
